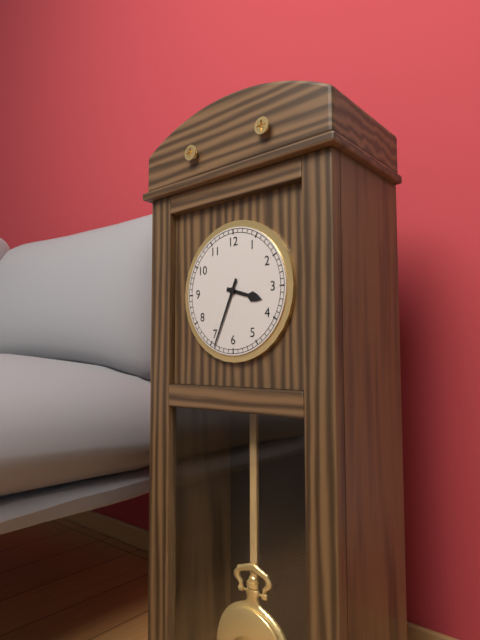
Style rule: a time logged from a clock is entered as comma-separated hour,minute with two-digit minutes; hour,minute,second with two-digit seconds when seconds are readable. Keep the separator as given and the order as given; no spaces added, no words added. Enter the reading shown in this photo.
3,34
